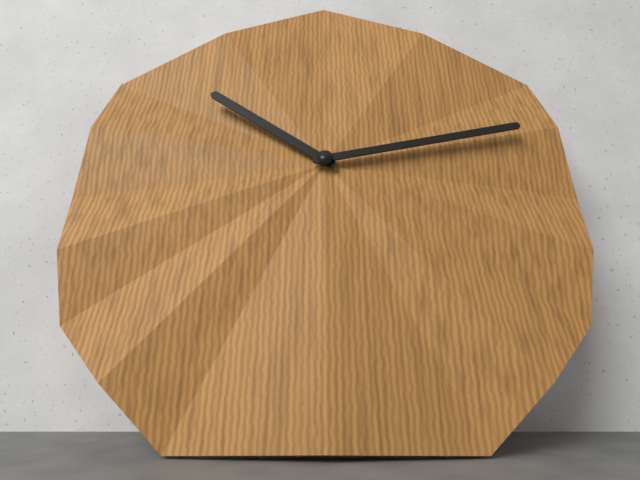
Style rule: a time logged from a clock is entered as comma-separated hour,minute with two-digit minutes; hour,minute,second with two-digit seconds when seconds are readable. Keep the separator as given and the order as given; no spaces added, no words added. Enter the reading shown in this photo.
10,13
